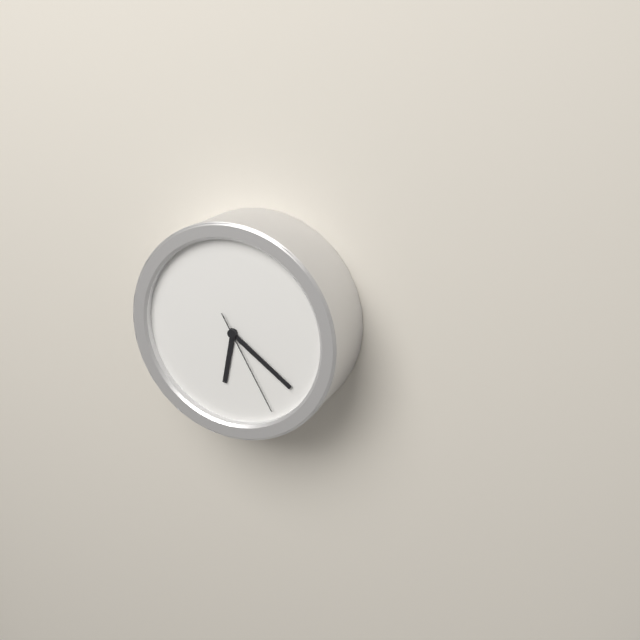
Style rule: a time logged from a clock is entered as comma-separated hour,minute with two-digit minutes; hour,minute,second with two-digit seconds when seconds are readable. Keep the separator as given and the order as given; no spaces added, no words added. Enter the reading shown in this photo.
6,21,25
